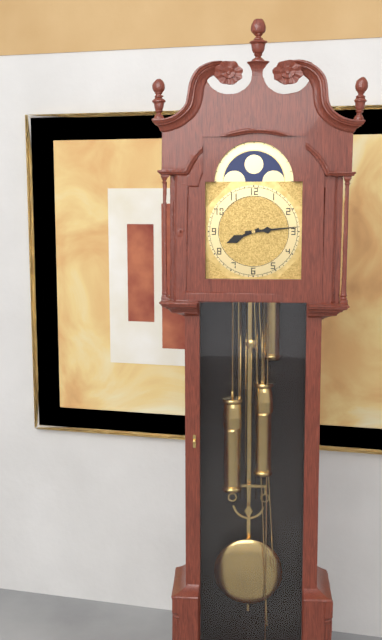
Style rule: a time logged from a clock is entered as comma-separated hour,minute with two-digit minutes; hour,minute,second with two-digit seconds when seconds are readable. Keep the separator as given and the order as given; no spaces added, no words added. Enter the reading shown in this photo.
8,14
